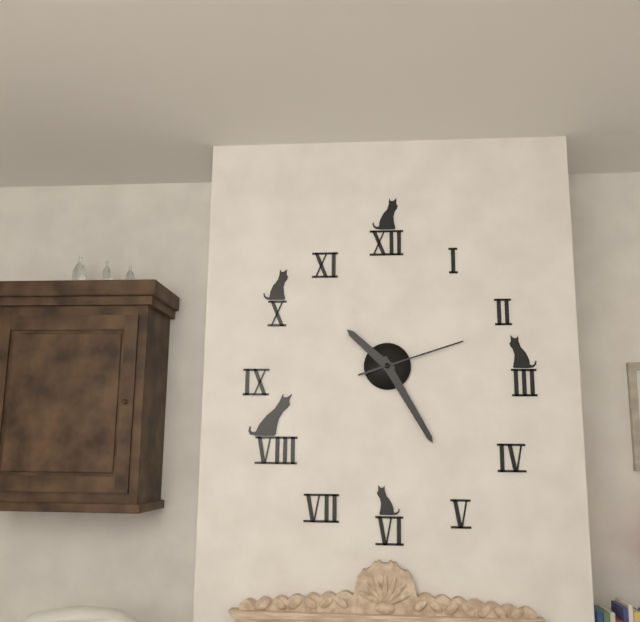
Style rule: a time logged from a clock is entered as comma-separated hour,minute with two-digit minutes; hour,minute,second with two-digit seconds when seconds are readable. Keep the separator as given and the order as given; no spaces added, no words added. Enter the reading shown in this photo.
10,25,12
